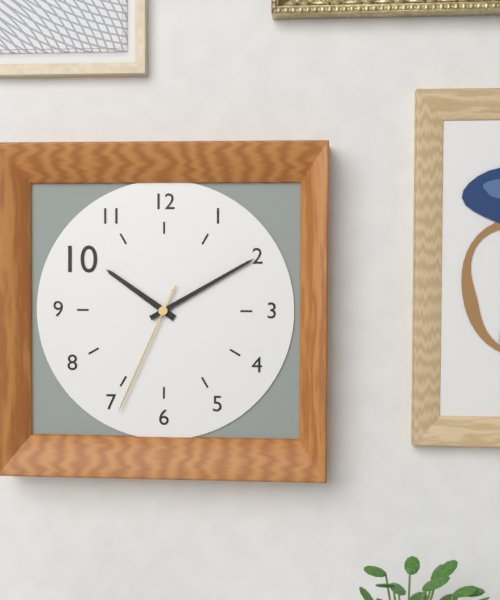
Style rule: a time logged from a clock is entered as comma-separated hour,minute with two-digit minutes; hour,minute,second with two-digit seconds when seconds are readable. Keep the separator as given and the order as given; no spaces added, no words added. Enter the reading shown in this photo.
10,10,34
